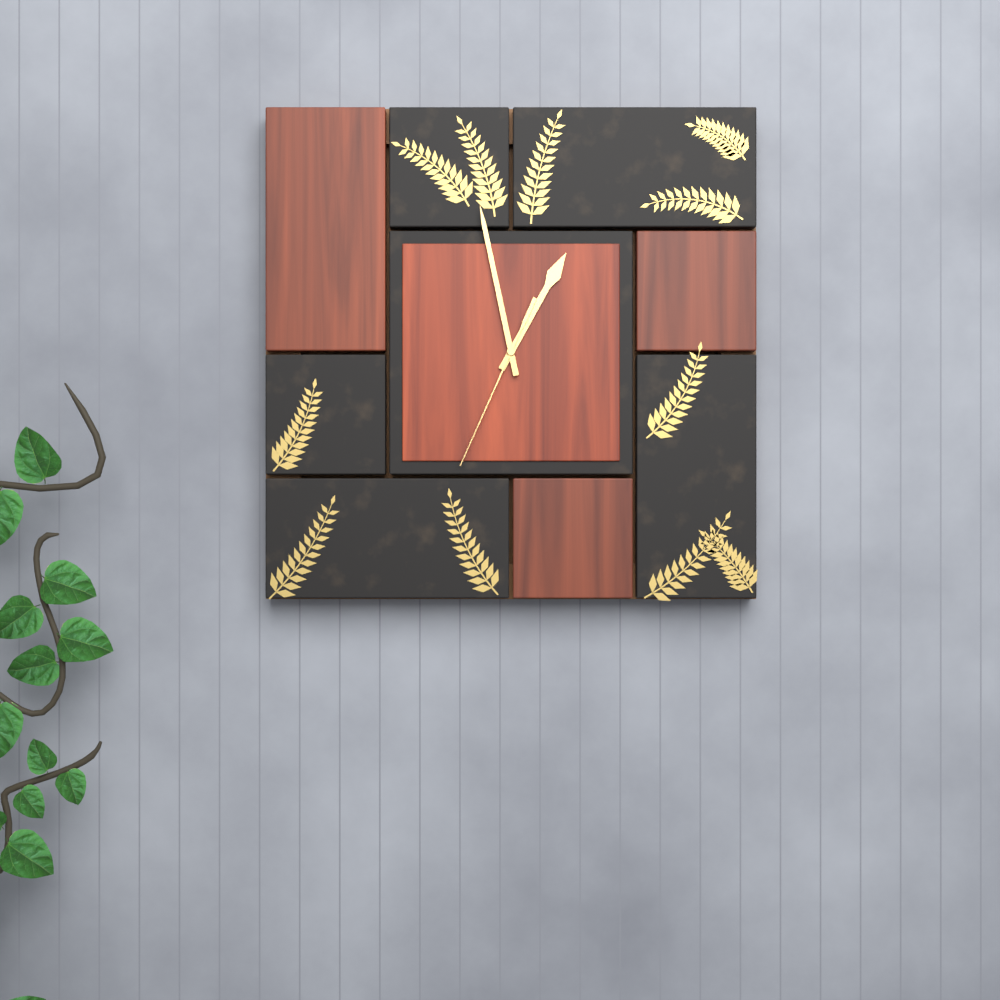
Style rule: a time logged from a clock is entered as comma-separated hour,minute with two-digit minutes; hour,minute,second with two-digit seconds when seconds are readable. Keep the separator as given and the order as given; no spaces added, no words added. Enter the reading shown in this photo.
12,58,34
